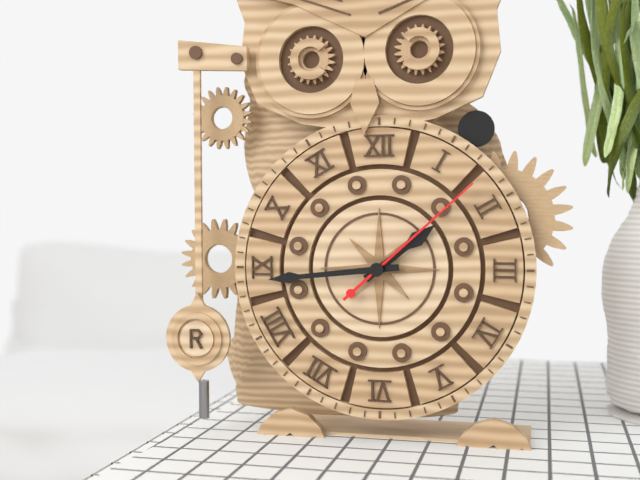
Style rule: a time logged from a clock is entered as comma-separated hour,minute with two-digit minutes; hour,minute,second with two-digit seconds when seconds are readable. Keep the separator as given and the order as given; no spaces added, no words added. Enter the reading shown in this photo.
1,44,08
